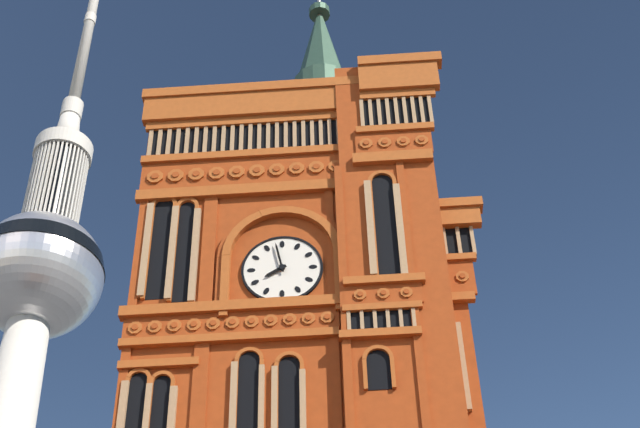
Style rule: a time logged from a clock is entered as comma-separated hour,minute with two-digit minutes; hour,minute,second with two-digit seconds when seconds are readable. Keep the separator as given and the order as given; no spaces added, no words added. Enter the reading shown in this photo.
7,58
